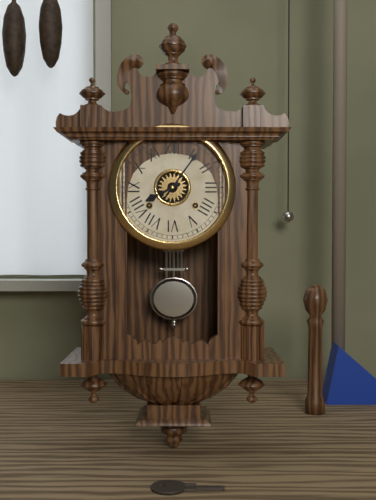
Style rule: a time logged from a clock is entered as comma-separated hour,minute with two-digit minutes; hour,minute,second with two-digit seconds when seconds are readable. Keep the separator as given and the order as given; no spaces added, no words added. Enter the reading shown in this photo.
8,06
